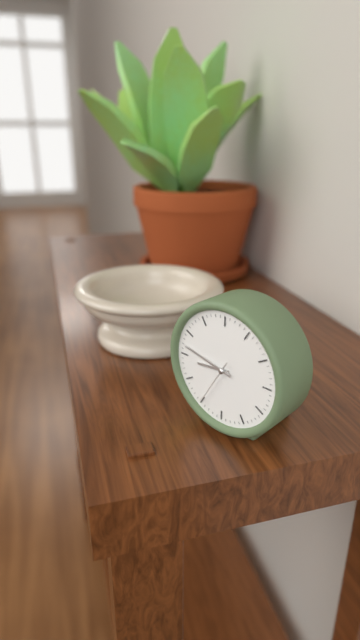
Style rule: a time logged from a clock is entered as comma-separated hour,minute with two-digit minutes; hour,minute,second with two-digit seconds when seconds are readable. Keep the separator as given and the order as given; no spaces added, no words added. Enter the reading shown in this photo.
8,47
